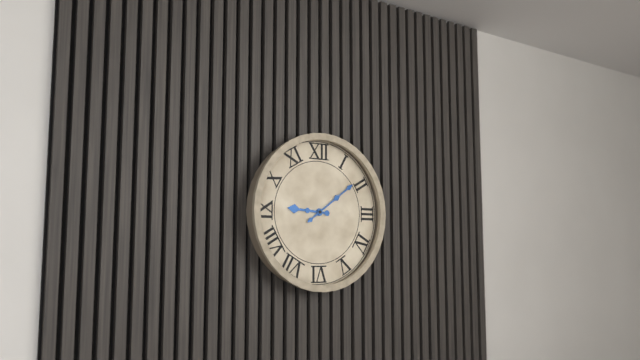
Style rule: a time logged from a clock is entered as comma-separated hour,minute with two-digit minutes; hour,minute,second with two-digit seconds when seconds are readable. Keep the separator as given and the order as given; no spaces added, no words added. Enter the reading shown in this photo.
9,09
